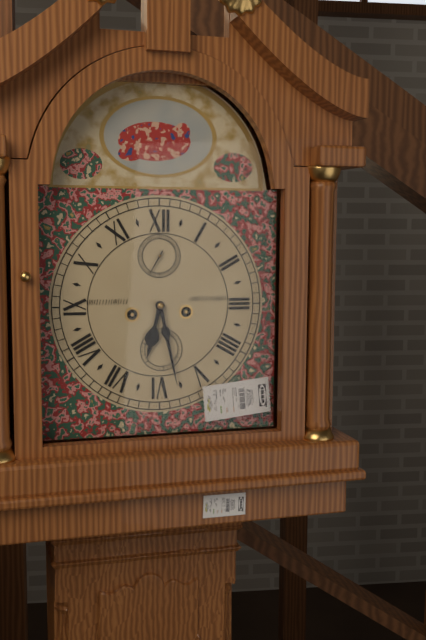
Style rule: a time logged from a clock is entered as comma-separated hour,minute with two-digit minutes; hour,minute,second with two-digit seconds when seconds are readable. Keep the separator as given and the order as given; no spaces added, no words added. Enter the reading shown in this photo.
6,28
